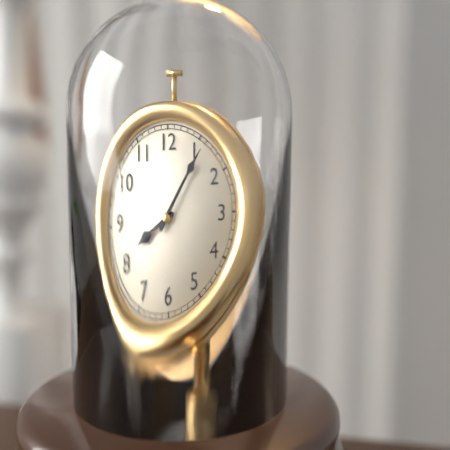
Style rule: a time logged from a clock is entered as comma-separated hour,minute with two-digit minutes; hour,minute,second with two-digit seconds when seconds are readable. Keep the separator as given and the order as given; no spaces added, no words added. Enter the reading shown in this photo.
8,06
